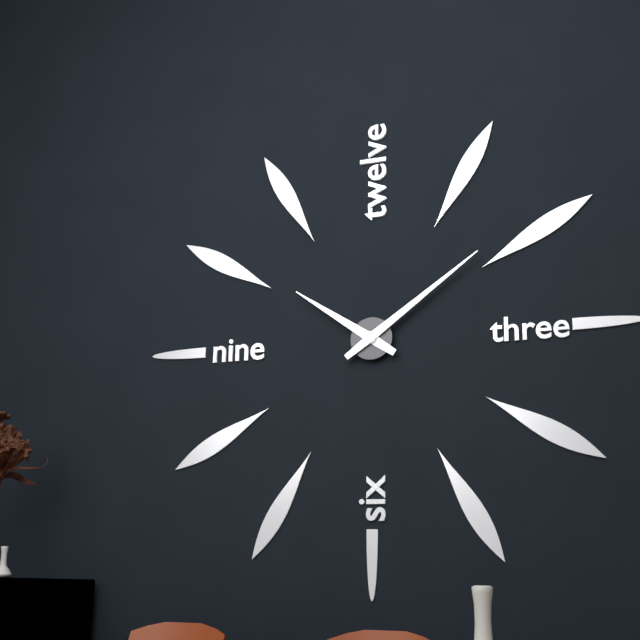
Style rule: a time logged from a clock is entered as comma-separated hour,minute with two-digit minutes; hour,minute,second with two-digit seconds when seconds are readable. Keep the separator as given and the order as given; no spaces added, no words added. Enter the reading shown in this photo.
10,09
